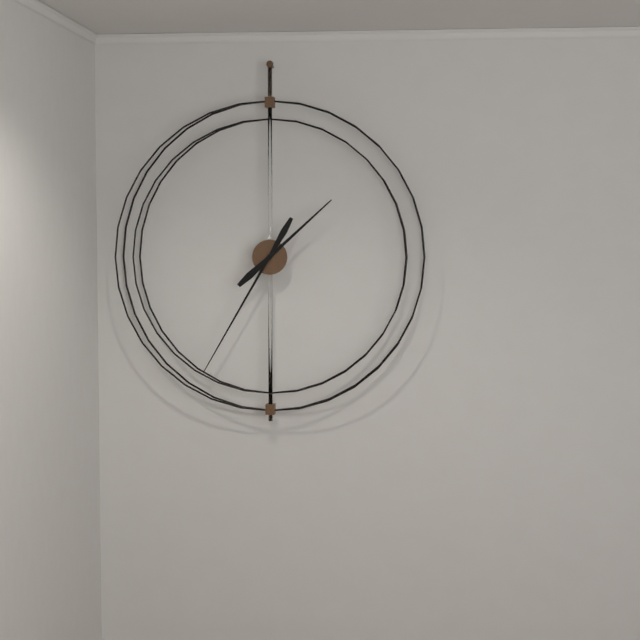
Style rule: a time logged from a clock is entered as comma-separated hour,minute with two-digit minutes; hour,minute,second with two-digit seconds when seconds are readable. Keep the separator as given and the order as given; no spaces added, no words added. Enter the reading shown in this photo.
1,35
